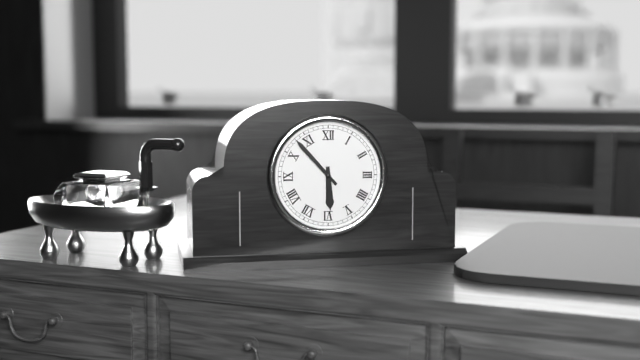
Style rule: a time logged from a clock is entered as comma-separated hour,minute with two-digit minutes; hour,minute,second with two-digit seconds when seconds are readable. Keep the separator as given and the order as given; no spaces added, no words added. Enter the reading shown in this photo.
5,53
